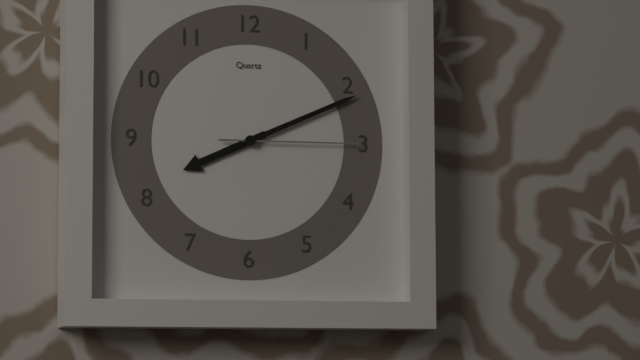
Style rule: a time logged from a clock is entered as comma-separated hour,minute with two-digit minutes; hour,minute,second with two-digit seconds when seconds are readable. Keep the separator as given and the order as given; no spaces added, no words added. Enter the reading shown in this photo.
8,11,15
